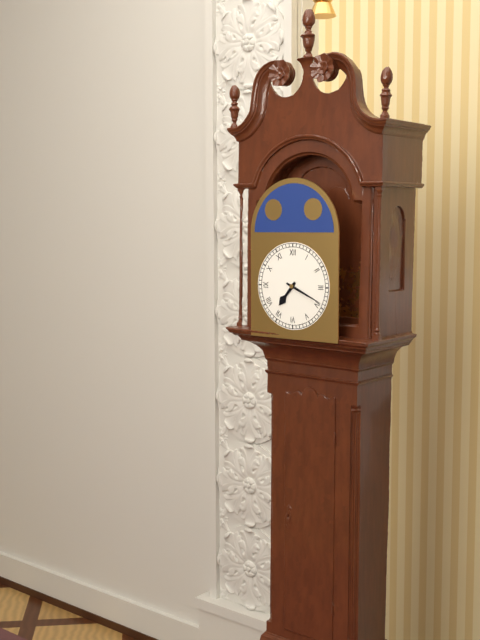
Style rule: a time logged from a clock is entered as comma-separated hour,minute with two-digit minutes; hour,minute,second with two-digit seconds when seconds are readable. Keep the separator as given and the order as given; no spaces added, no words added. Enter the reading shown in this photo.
7,19
